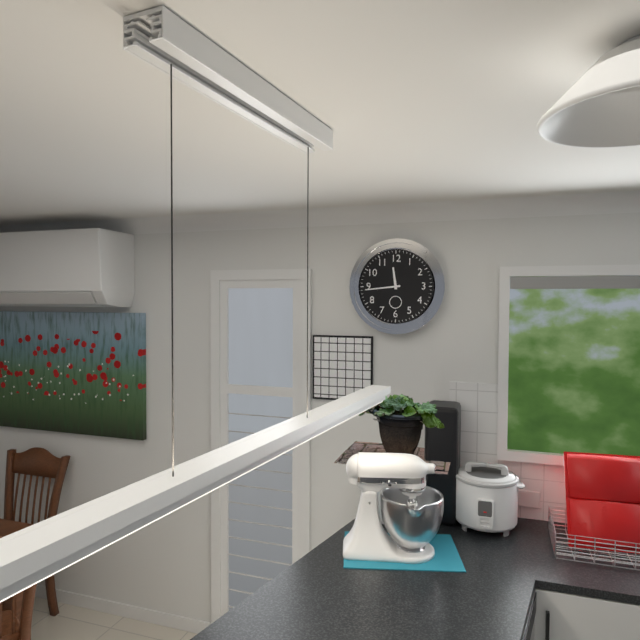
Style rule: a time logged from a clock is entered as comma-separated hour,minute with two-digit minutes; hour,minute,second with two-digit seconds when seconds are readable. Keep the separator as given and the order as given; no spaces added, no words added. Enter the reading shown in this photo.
11,44
